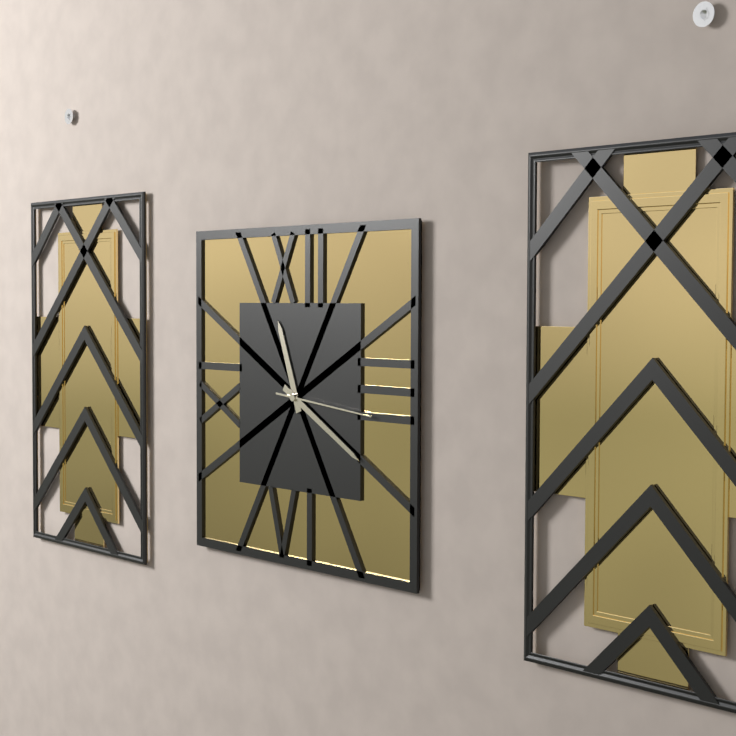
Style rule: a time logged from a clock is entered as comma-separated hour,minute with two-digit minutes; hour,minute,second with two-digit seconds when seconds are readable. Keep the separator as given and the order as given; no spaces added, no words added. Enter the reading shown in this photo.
11,20,16
